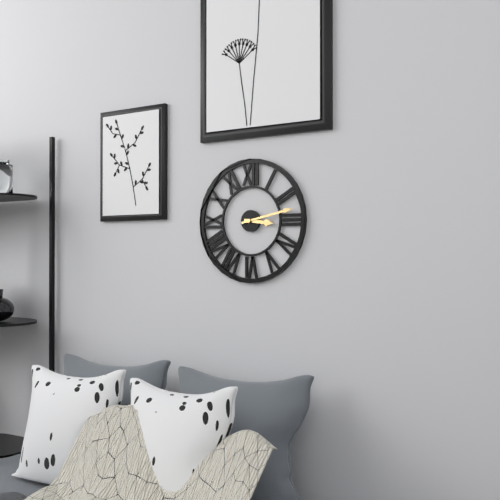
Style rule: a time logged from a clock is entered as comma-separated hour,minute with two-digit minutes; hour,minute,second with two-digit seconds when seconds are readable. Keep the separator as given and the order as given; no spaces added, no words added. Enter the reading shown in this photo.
3,13
